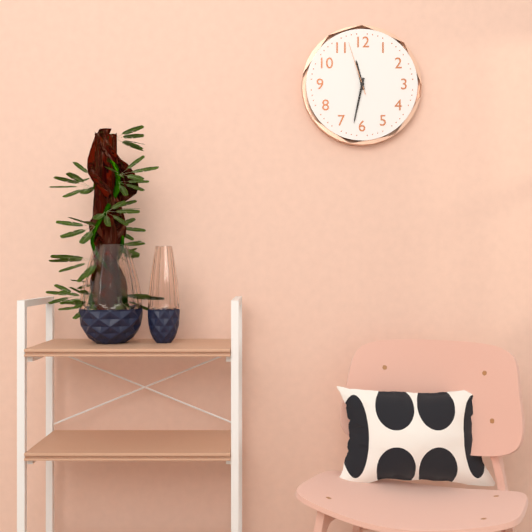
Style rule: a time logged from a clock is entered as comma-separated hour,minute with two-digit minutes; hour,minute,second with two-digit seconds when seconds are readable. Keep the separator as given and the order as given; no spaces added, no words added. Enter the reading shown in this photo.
11,32,57
